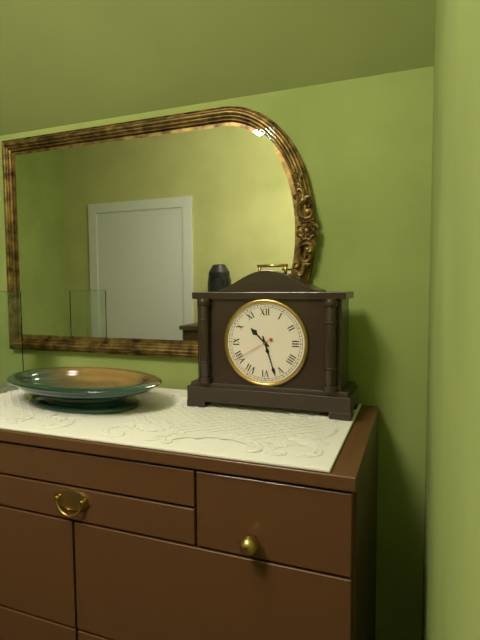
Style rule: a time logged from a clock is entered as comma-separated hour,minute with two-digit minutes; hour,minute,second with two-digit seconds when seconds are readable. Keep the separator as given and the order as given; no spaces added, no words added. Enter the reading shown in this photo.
10,27
